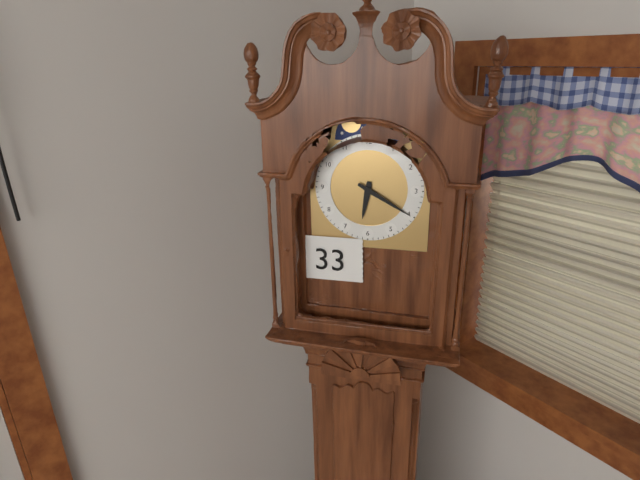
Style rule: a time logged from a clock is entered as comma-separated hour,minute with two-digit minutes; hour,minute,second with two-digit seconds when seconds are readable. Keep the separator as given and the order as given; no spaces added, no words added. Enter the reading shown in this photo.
6,20
